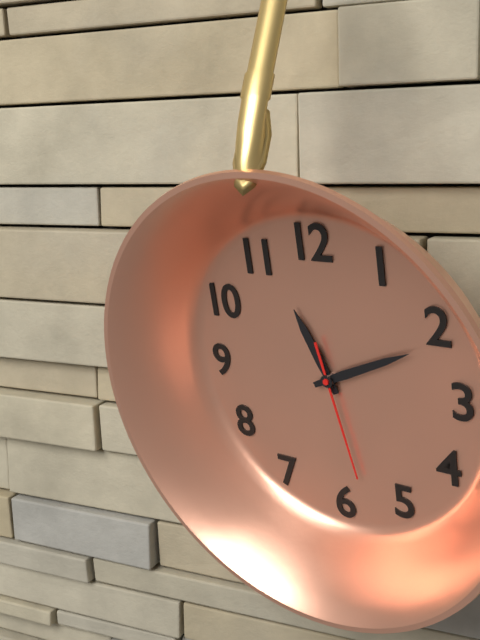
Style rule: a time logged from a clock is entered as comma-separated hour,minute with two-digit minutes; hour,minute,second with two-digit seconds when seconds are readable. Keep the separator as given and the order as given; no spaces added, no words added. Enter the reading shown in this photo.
11,11,28
